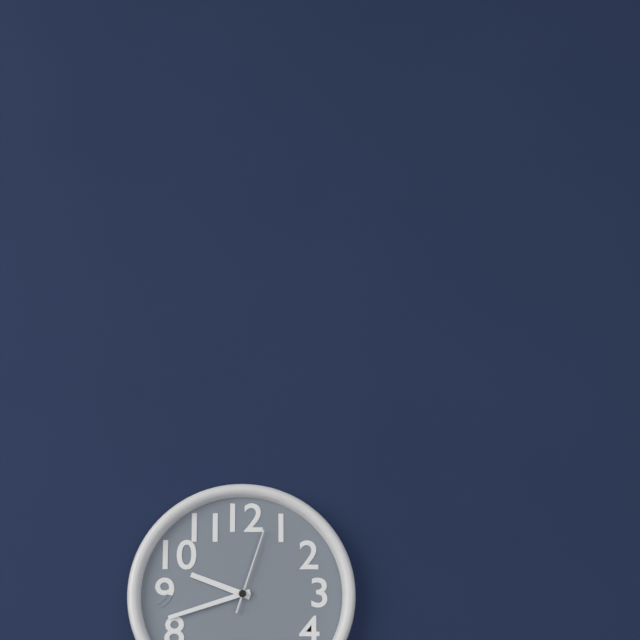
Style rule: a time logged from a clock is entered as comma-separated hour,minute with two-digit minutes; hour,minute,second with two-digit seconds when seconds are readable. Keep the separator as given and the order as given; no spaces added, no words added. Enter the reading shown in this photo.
9,42,03
